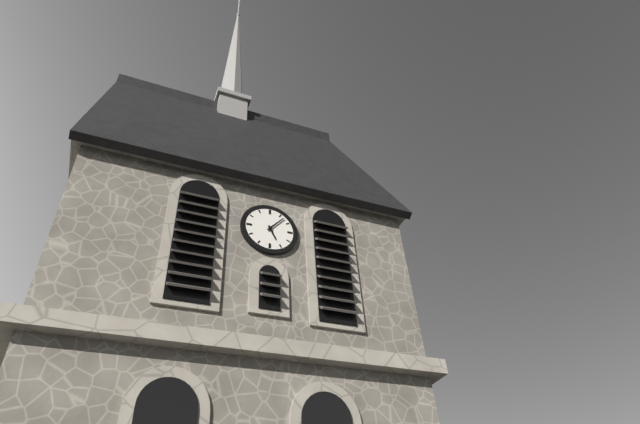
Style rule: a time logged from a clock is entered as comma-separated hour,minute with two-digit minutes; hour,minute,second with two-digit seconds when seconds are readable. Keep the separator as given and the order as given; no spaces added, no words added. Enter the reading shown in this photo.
5,07
